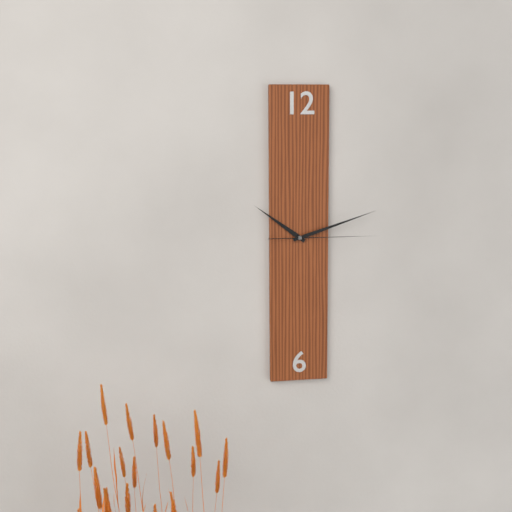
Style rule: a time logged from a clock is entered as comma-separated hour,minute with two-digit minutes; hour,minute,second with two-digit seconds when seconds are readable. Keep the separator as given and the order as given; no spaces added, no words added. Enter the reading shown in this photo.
10,12,15
